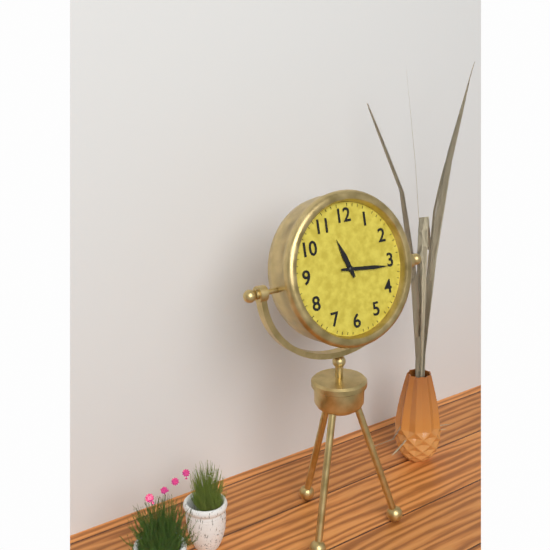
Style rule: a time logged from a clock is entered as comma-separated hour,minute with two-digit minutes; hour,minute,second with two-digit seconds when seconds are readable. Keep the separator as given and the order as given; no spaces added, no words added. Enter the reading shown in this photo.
11,16
